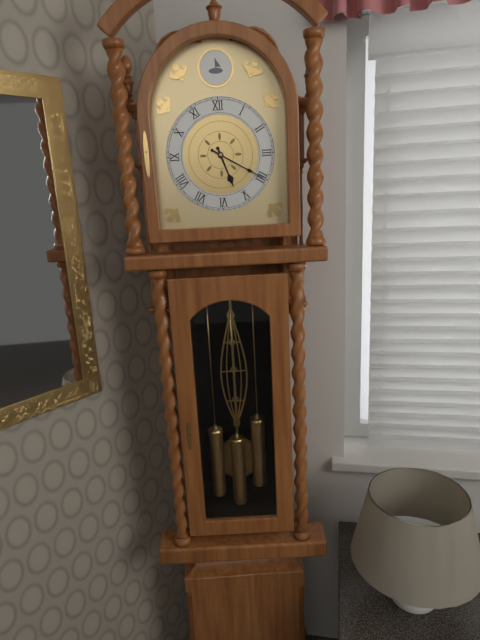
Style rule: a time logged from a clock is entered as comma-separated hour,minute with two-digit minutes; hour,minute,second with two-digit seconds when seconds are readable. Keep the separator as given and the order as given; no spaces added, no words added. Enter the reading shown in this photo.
5,20
